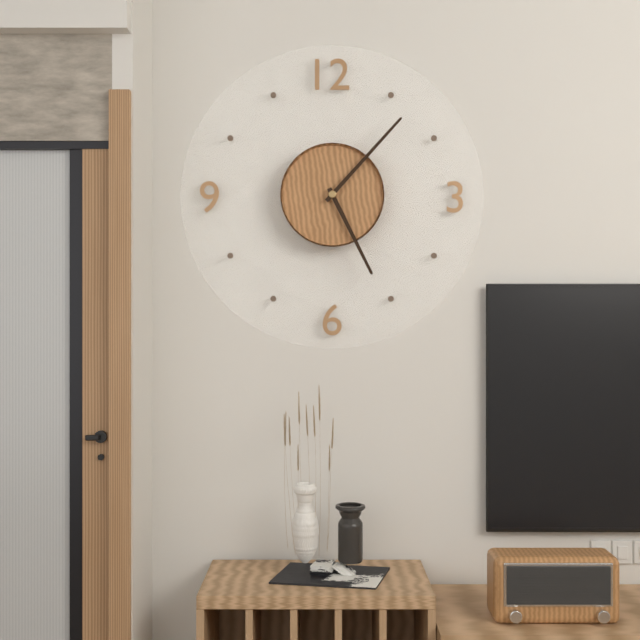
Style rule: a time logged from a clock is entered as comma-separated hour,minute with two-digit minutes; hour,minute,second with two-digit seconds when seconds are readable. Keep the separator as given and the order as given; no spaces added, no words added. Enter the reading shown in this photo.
5,07
